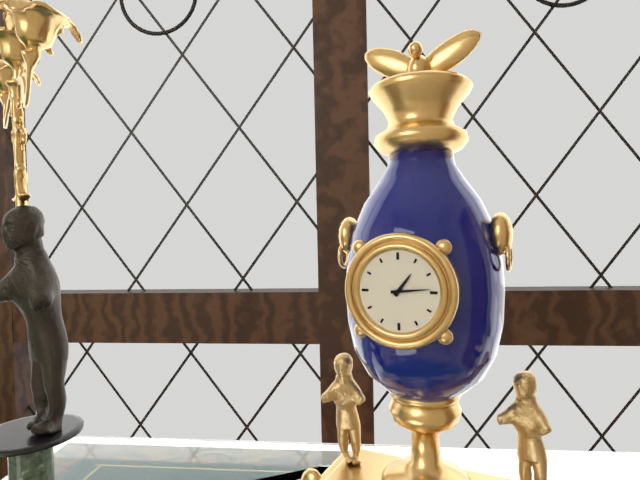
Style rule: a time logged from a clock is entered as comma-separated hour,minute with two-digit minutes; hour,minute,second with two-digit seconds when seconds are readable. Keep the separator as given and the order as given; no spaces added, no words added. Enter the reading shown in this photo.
1,14
